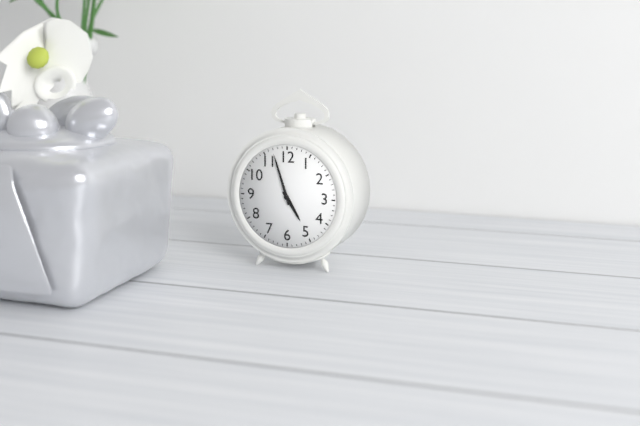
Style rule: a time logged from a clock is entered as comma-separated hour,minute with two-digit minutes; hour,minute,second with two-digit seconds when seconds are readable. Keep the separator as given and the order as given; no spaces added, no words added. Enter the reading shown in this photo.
4,57
